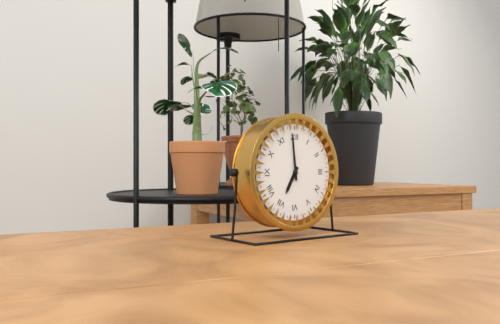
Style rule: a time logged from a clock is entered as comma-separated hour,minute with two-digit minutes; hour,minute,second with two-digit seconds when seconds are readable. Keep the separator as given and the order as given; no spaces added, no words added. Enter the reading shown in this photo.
6,59
